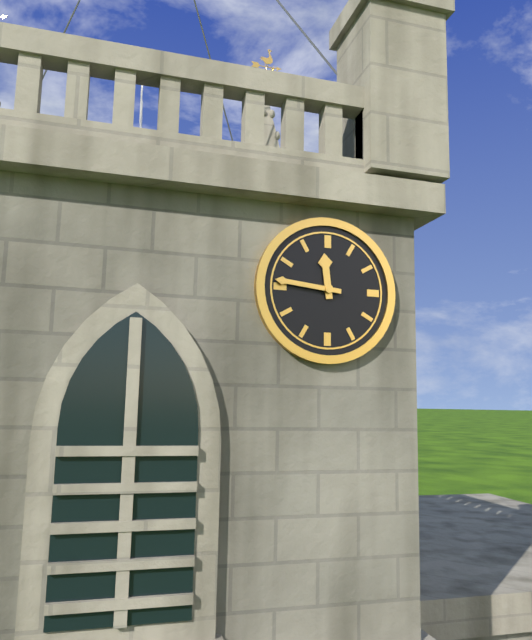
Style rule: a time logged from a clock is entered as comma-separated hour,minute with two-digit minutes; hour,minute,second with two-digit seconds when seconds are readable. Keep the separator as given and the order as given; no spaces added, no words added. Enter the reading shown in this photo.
11,46
